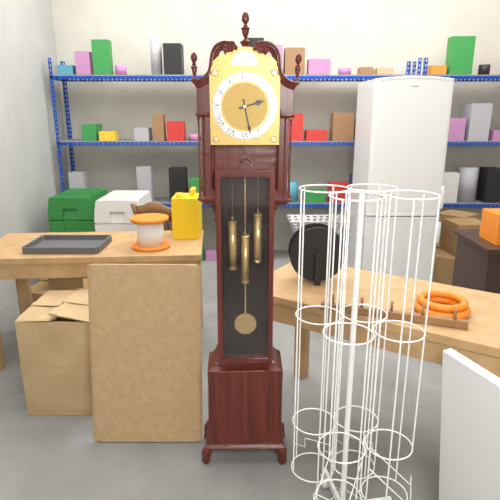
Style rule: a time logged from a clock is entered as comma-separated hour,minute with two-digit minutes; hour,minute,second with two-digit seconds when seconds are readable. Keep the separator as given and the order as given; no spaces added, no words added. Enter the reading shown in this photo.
2,28
